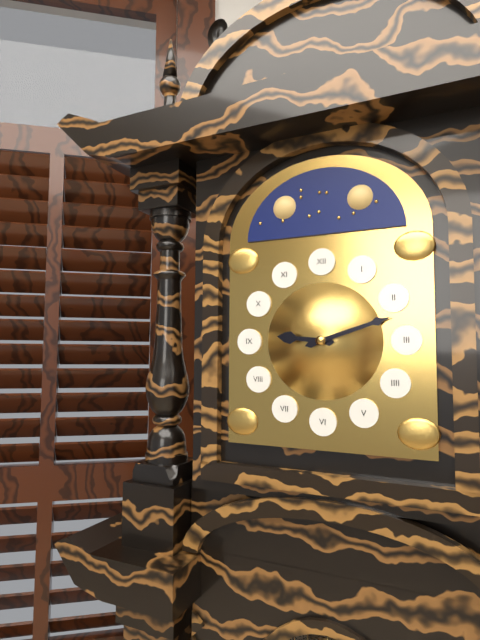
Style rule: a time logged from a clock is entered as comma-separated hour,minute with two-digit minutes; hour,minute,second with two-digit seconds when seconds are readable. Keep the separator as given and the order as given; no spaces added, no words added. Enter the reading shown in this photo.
9,12
